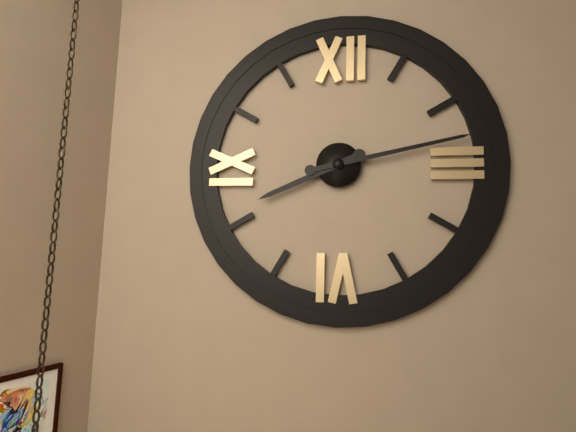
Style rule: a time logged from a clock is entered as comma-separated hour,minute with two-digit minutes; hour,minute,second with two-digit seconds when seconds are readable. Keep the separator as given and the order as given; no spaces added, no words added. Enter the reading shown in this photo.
8,13
